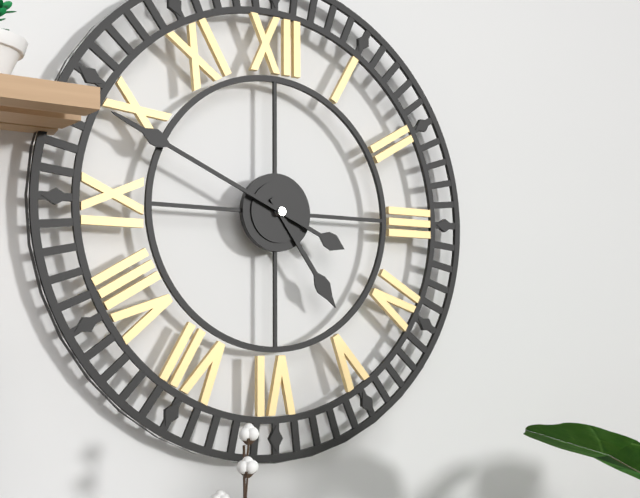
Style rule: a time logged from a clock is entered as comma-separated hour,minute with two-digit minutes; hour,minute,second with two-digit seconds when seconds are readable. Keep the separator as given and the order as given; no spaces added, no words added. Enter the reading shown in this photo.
4,49
